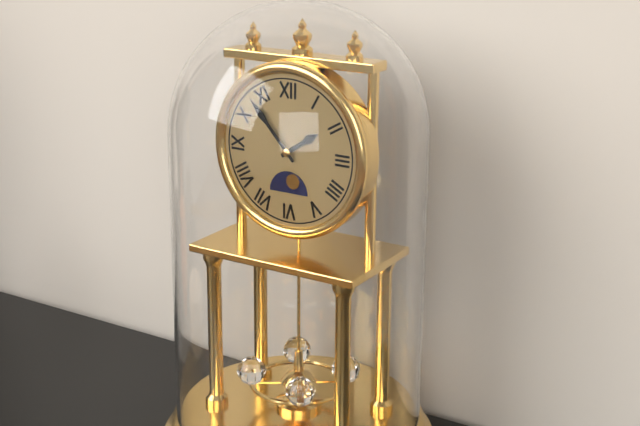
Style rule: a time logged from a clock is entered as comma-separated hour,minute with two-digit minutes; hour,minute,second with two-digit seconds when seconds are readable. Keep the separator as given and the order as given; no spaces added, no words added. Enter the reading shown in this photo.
1,53
